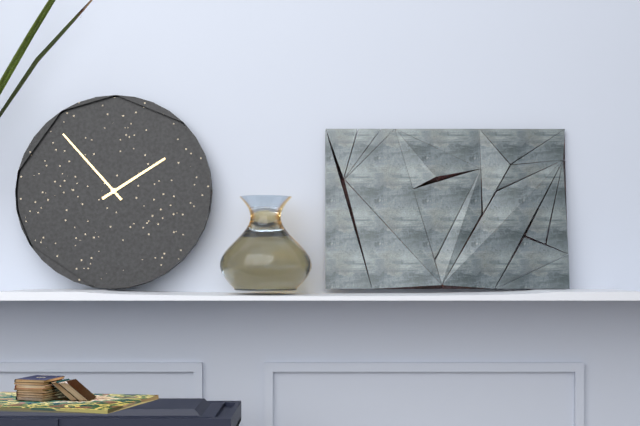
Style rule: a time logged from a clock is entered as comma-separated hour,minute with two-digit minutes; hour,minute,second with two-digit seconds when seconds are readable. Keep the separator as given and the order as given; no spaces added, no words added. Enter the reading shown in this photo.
1,53
